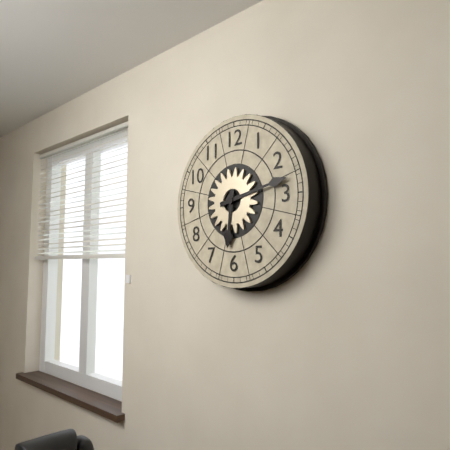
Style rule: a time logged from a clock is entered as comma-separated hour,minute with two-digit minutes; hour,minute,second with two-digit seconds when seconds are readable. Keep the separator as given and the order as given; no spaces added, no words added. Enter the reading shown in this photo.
6,13
